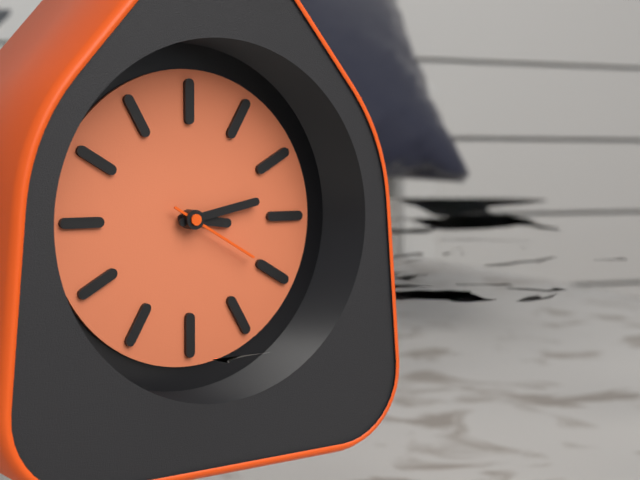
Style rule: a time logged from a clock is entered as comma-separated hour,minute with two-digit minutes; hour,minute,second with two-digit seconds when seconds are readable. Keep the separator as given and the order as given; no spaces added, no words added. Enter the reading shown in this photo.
3,13,20
